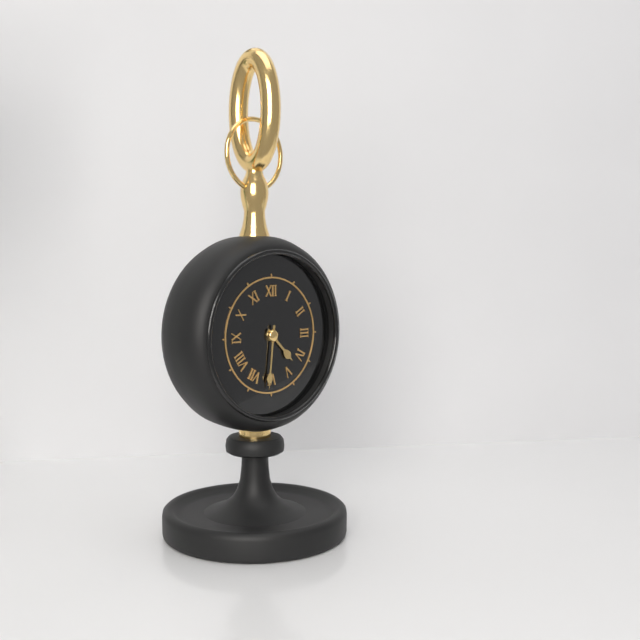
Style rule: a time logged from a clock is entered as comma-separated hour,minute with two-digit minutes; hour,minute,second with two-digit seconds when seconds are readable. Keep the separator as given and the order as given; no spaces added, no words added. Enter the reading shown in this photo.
4,31
